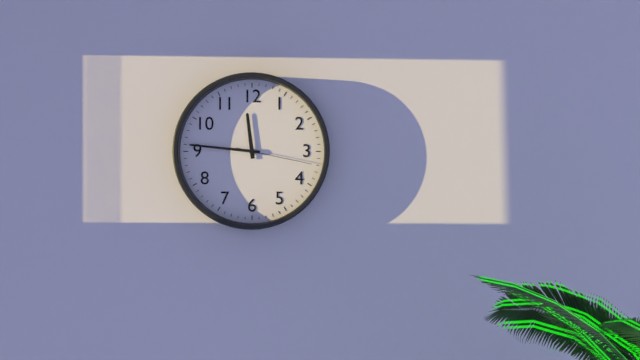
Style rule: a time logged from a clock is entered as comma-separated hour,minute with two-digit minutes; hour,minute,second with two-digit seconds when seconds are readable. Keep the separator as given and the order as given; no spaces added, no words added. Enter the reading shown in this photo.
11,46,17
